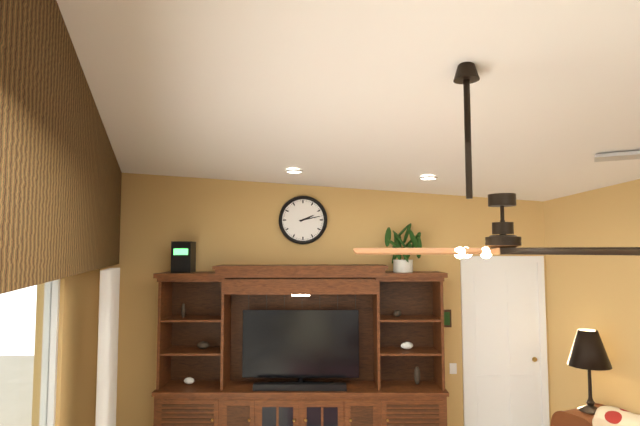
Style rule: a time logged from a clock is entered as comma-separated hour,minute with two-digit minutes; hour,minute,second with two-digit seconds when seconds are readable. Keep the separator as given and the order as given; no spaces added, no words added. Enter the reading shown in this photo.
2,13
